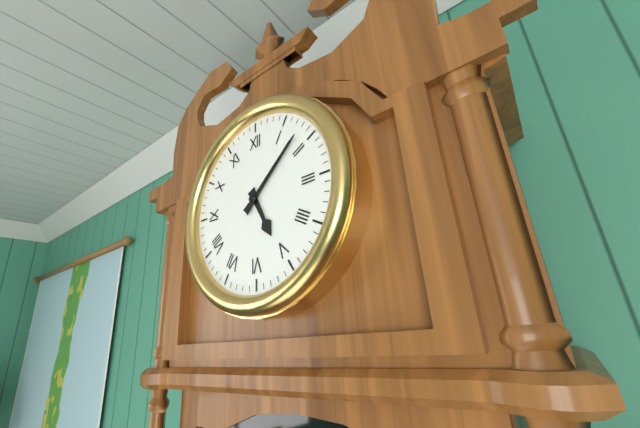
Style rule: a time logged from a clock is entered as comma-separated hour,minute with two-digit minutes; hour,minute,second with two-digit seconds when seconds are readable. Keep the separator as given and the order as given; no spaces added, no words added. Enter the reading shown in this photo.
5,08
